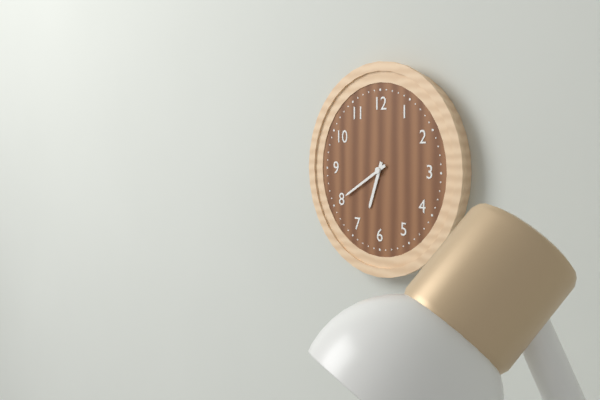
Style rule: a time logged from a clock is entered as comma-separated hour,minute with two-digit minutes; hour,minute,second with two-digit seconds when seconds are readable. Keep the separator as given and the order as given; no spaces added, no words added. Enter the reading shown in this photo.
6,40
